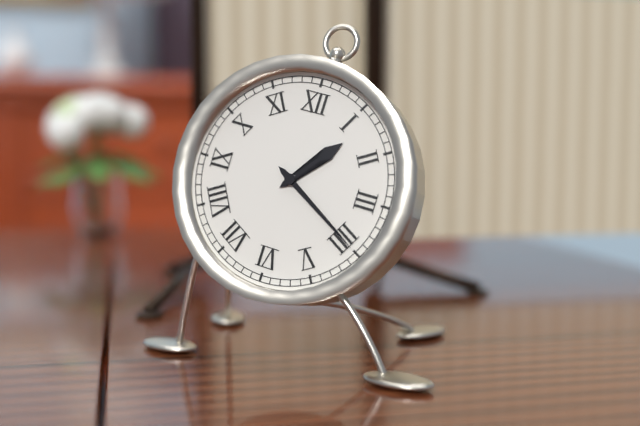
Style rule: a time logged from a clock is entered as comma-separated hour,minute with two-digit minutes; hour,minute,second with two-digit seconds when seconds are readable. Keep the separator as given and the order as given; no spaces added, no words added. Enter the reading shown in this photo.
1,20
